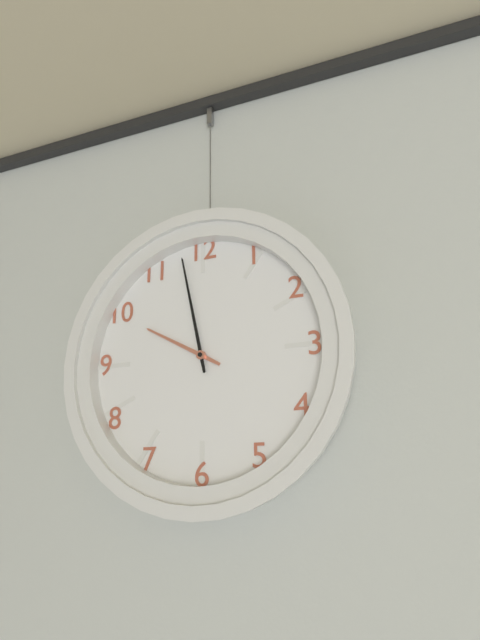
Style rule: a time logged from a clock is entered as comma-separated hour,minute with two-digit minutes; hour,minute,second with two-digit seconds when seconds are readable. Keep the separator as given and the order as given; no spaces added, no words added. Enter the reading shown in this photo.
9,58
